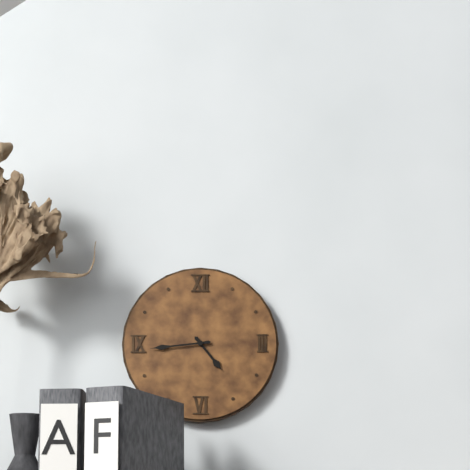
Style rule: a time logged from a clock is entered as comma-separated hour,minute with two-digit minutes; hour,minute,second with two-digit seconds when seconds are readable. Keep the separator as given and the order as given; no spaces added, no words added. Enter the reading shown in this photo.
4,44
